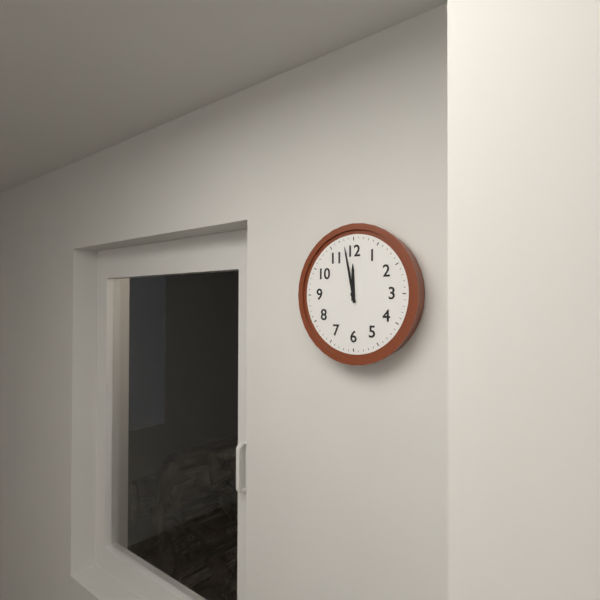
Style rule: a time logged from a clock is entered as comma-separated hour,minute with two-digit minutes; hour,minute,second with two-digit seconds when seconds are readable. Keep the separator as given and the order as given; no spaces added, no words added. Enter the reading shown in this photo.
11,58
